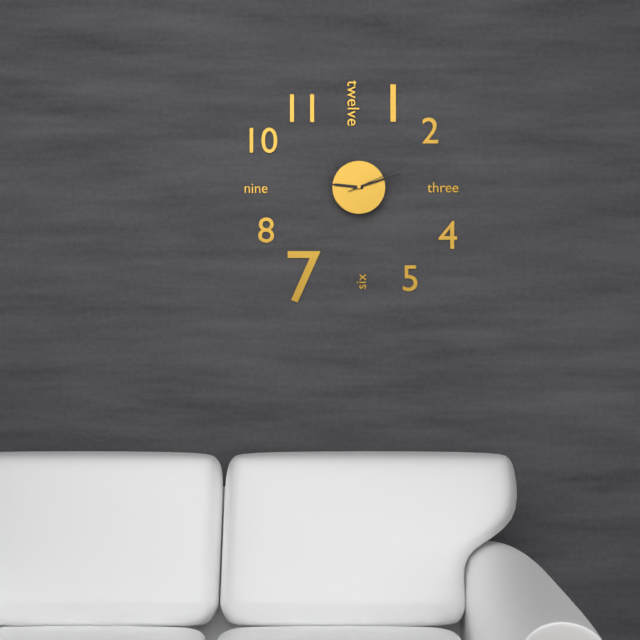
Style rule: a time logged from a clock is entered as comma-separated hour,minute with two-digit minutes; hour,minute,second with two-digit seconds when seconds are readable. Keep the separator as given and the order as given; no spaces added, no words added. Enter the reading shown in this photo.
9,12,11
